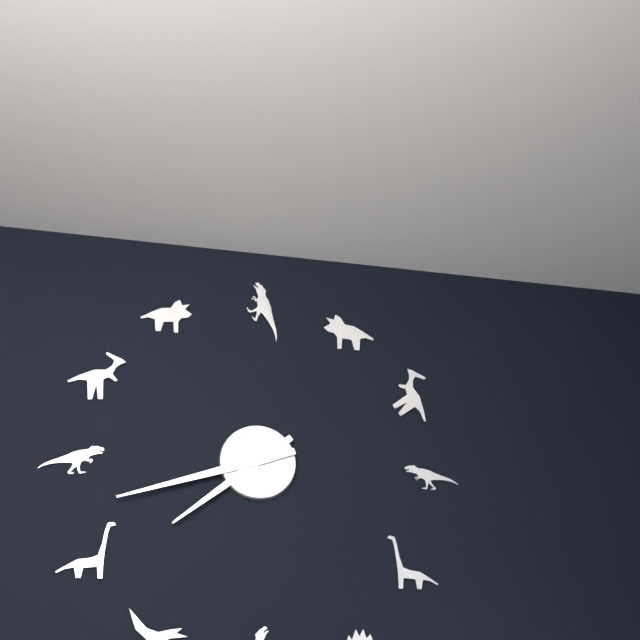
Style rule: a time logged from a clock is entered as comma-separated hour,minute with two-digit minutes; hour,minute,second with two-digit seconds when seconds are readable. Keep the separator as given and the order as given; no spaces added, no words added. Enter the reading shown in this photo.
7,42
